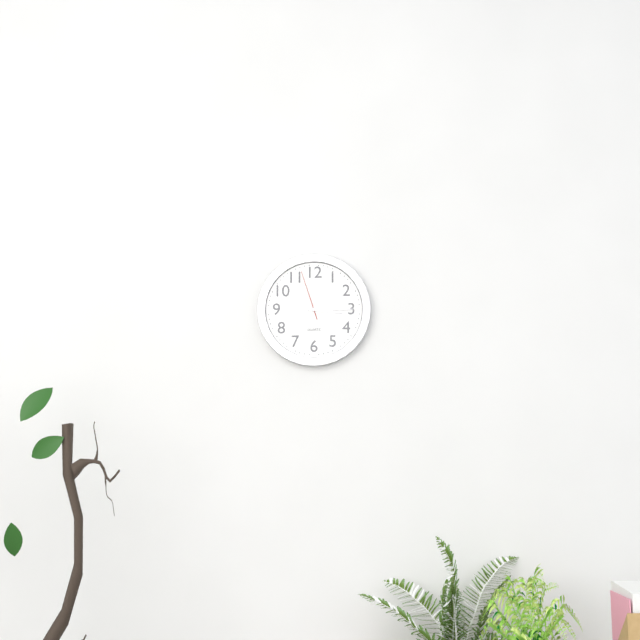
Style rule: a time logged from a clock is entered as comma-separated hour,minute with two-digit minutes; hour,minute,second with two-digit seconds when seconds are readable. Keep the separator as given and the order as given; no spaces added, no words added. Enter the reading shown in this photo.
3,15,57
